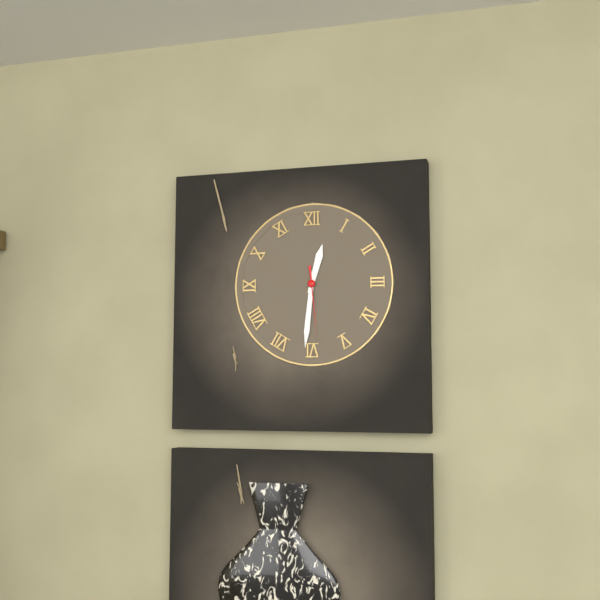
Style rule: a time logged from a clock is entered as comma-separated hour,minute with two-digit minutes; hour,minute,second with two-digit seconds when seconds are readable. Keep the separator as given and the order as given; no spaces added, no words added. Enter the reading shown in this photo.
12,31,29
